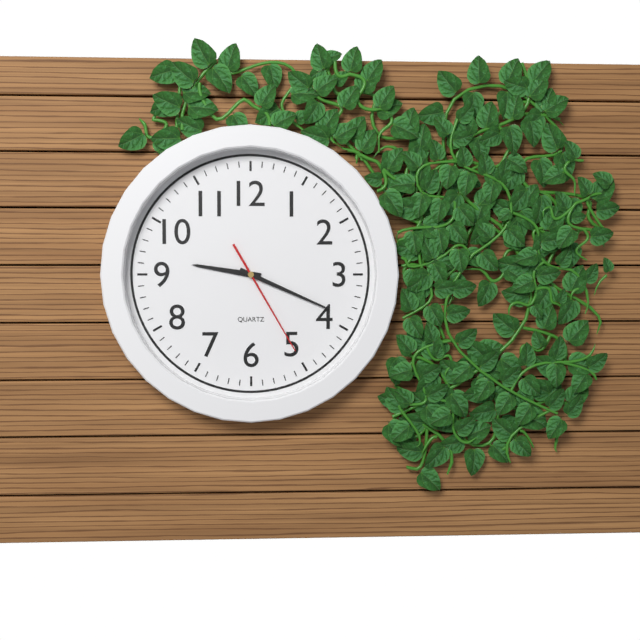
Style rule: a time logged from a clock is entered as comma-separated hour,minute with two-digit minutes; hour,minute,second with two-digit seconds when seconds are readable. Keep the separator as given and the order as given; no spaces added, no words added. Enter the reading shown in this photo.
9,19,25
